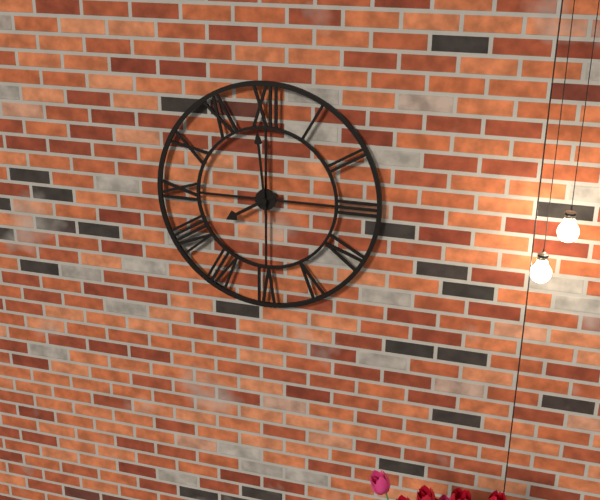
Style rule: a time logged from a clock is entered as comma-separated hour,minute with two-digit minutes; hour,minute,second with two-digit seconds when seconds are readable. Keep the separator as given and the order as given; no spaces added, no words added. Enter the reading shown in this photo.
7,59
